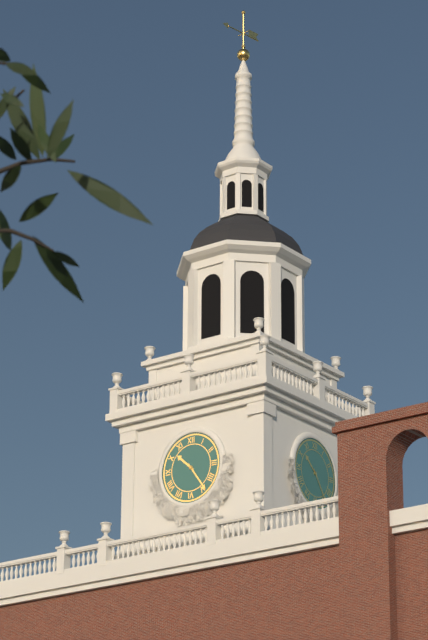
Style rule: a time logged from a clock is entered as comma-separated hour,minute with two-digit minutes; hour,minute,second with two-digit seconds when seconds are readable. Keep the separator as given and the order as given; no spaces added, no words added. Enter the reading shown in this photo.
10,24
